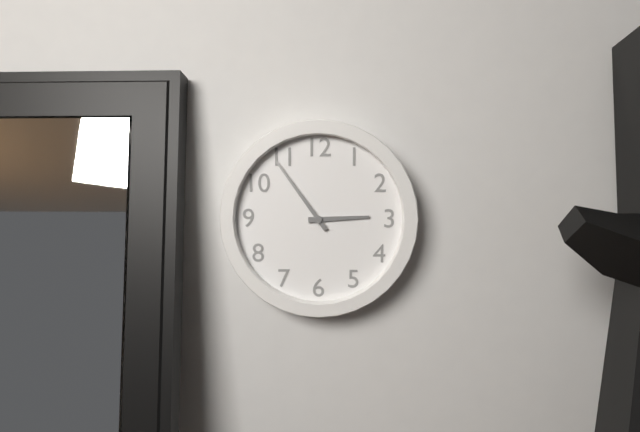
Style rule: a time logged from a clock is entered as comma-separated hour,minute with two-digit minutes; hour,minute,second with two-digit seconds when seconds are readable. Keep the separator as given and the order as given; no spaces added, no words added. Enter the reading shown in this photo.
2,54
